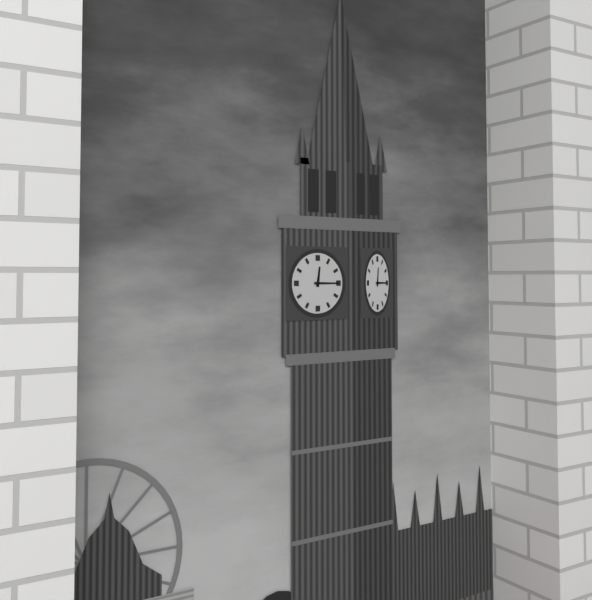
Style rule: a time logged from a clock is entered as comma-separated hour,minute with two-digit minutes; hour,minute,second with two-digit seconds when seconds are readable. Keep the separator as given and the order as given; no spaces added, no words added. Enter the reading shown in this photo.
12,15
